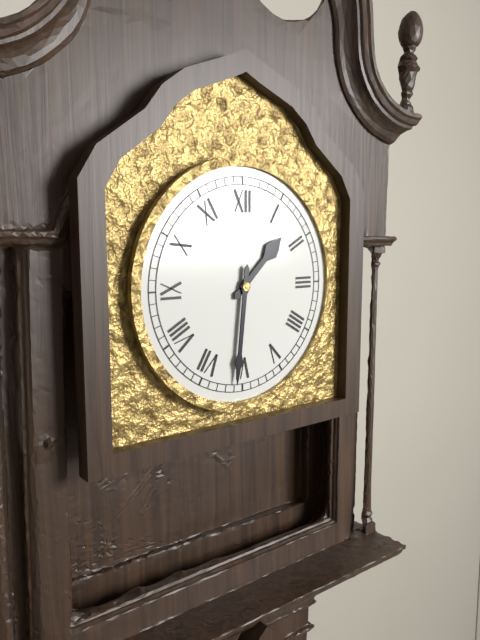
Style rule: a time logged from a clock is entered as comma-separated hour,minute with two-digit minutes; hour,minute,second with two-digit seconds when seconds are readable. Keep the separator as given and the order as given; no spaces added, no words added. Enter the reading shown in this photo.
1,31
